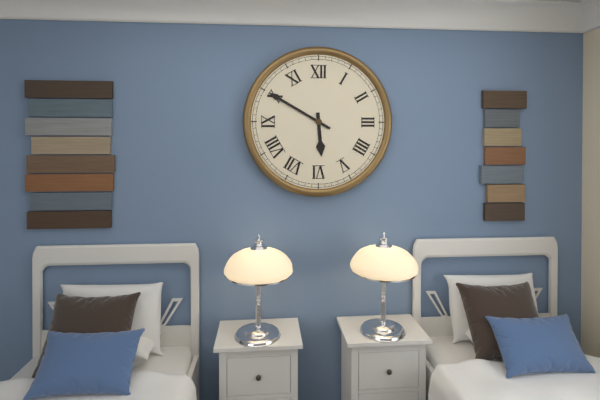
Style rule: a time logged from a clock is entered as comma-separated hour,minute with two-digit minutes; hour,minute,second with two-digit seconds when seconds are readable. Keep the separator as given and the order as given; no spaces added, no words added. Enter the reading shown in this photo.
5,50
